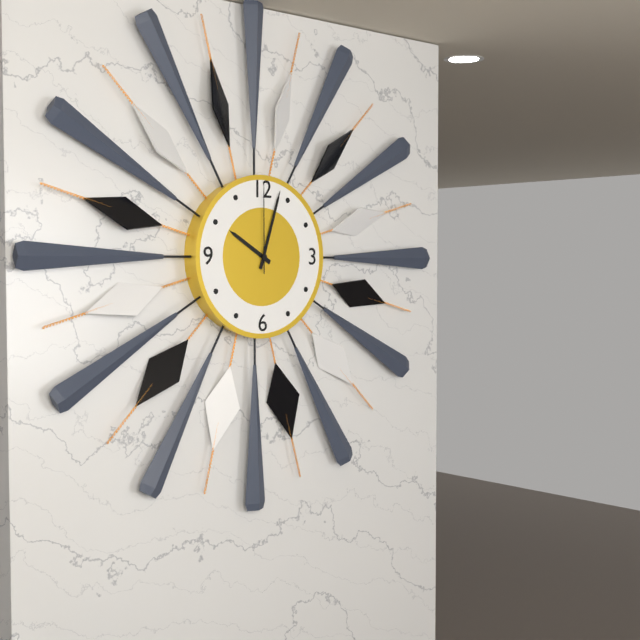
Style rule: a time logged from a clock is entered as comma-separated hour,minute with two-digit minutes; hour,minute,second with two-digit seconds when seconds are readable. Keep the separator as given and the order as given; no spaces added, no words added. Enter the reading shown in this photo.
10,03,00
